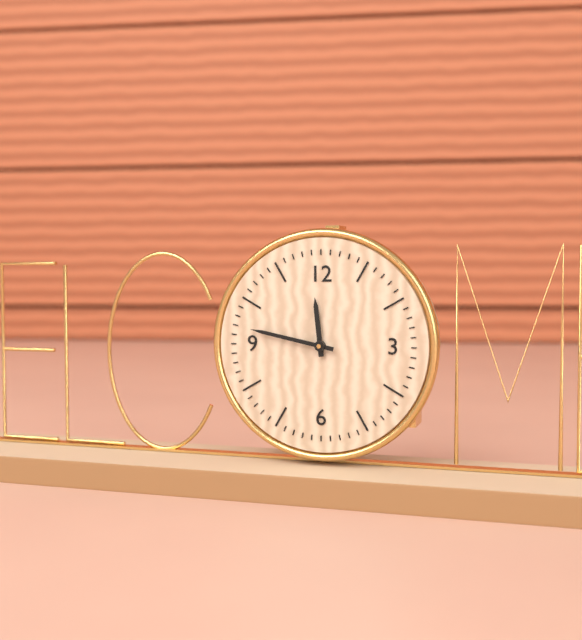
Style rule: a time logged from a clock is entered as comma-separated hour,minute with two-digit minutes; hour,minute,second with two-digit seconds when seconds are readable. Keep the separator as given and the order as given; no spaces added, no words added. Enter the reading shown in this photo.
11,47
